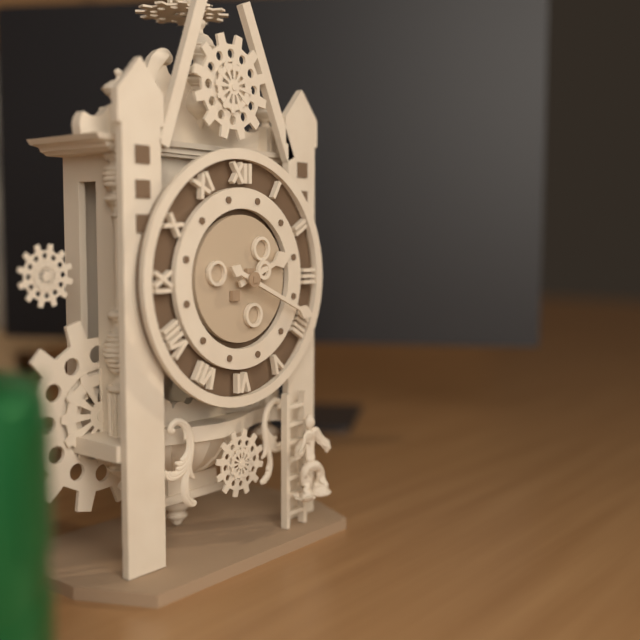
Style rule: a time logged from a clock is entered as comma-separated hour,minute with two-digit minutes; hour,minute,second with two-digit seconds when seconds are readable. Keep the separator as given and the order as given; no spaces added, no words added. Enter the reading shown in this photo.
2,19
